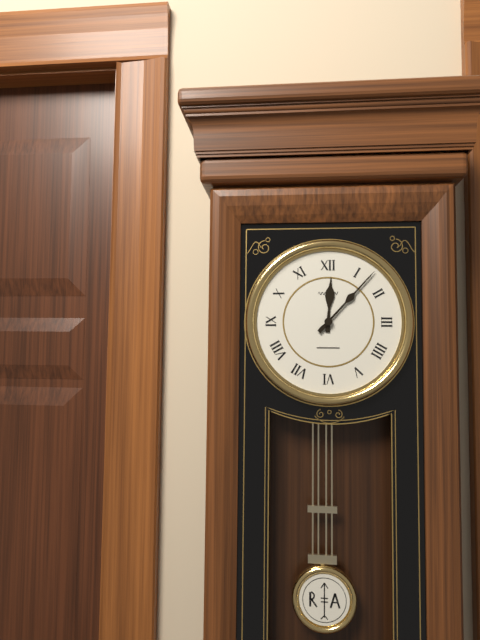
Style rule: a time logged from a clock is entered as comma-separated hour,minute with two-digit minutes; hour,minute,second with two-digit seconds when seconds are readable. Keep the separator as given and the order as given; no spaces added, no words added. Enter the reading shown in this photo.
12,07
